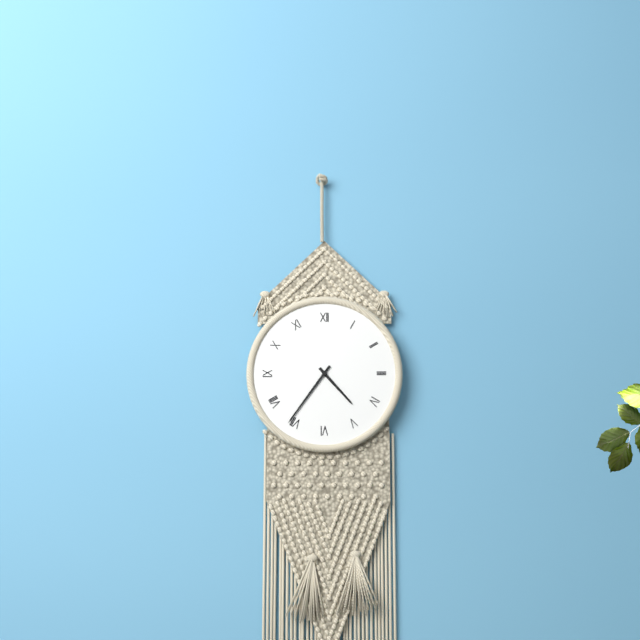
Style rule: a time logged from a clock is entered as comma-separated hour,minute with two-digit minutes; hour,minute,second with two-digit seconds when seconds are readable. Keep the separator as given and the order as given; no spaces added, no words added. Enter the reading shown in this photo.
4,36
